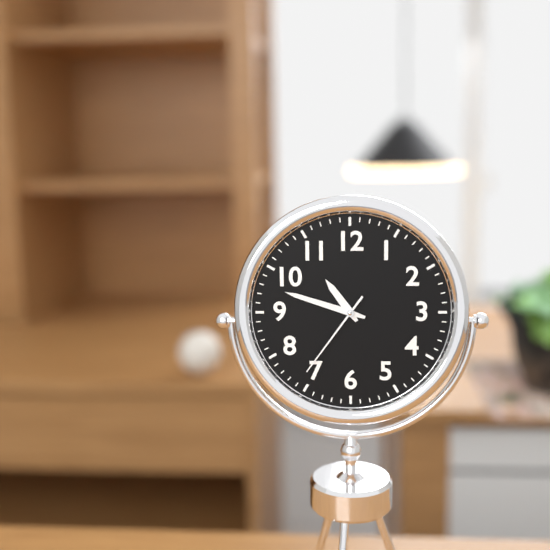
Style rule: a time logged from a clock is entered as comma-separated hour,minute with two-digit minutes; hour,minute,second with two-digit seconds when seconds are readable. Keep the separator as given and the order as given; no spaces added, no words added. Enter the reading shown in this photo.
10,48,36
